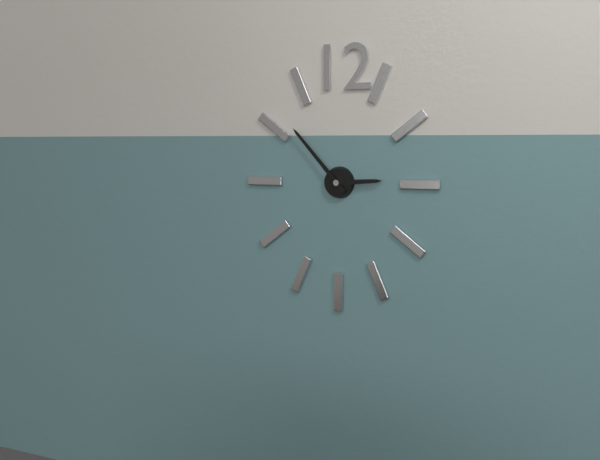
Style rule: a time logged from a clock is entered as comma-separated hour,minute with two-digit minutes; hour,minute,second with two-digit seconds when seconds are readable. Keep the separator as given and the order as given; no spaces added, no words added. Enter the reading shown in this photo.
2,53
